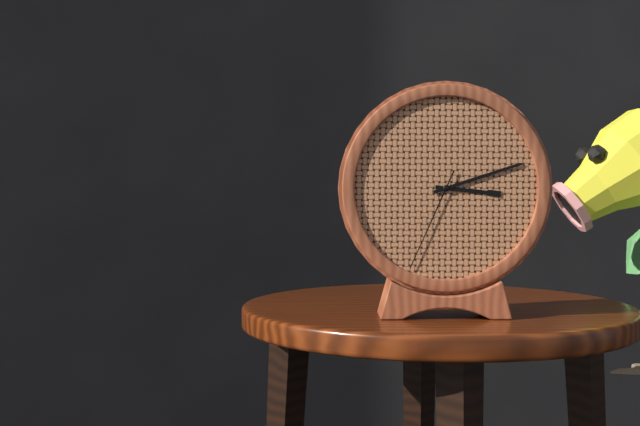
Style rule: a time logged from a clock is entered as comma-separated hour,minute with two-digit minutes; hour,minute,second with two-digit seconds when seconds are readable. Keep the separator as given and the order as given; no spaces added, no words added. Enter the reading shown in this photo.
3,12,34
